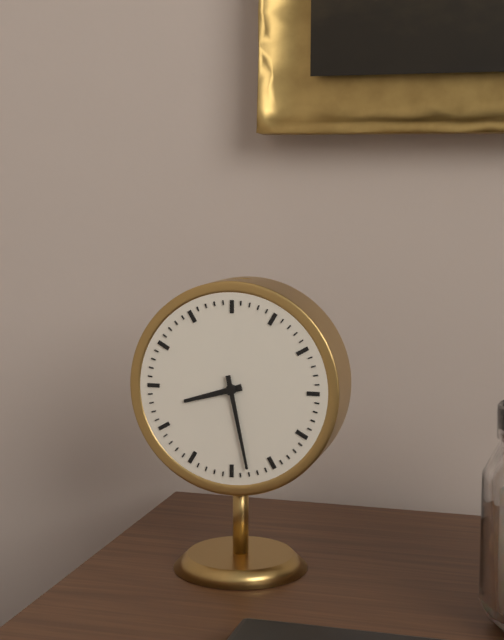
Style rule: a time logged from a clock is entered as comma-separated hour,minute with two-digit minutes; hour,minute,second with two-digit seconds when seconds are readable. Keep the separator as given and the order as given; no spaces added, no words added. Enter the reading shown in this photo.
8,28
